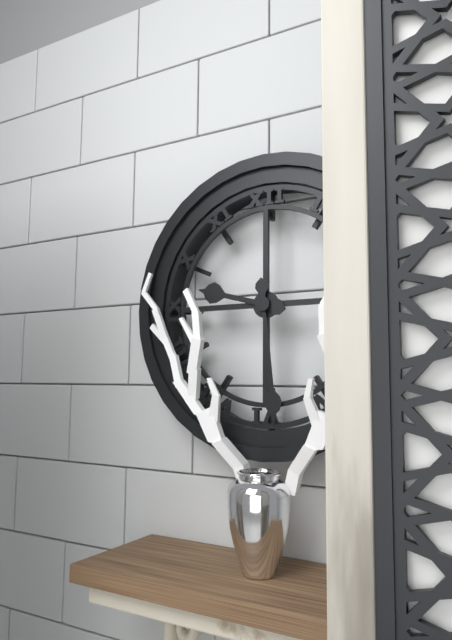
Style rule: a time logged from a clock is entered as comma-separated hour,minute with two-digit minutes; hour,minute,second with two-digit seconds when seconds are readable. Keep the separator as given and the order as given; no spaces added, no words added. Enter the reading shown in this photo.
9,29
